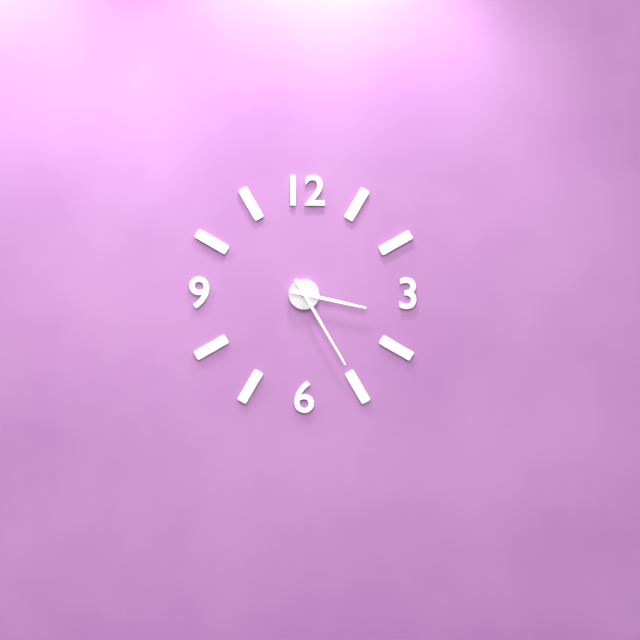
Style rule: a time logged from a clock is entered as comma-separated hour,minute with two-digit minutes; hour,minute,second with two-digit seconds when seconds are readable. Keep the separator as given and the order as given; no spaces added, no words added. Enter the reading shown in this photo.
3,25
